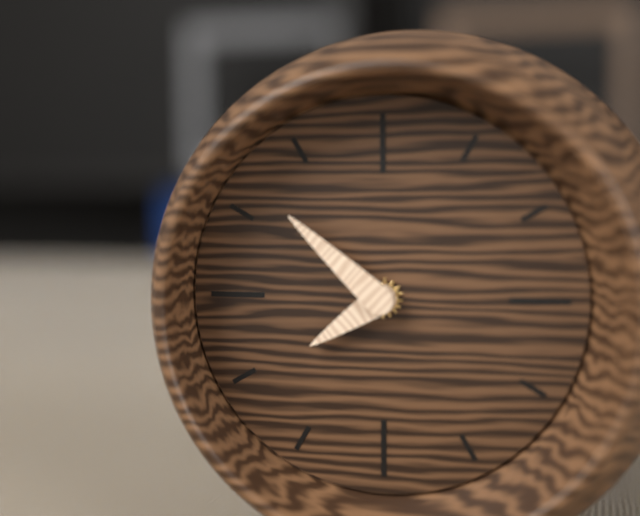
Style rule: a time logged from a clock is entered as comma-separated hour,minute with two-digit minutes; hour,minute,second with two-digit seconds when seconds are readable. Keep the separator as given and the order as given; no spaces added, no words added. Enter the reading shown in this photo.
7,52
